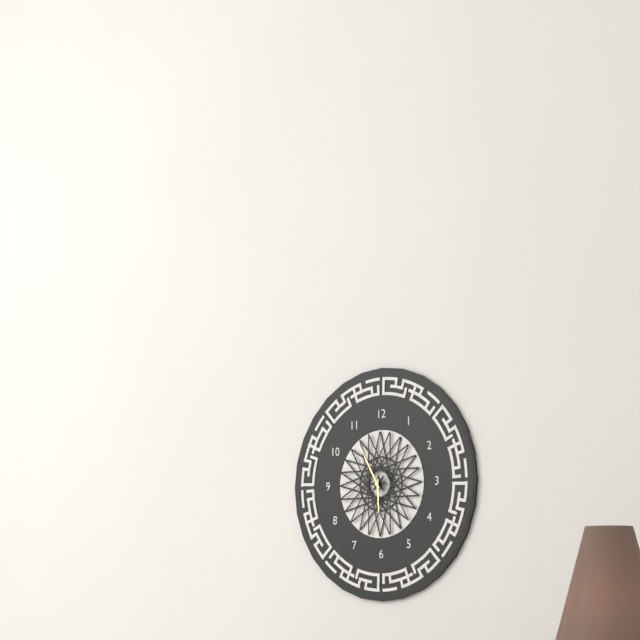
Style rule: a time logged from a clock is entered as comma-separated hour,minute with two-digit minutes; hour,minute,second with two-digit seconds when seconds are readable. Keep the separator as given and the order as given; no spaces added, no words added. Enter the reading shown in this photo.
5,55
